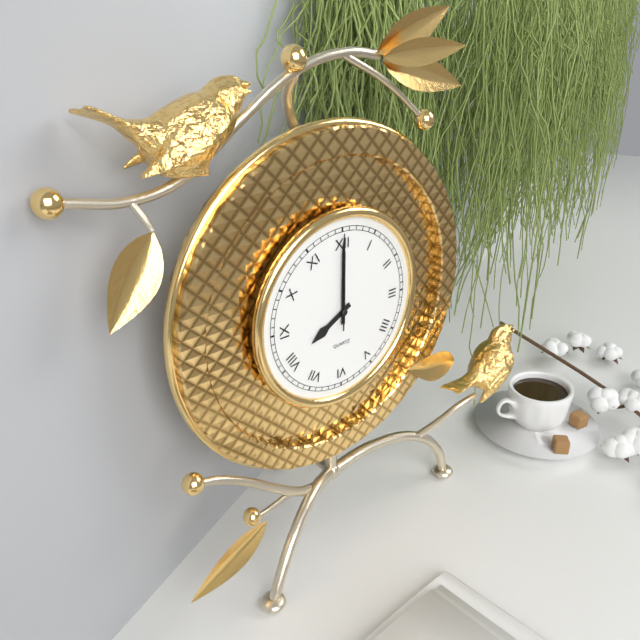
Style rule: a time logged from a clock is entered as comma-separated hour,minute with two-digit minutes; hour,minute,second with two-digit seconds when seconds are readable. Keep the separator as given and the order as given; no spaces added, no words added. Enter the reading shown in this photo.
8,00,00
